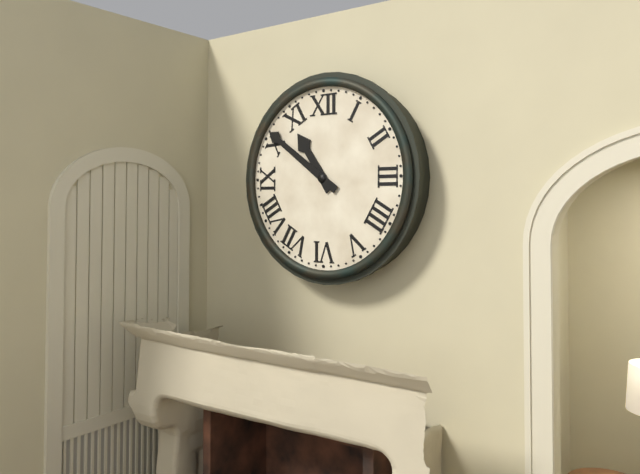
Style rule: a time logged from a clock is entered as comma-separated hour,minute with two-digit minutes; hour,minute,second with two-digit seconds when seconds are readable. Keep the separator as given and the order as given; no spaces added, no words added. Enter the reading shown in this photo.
10,51
